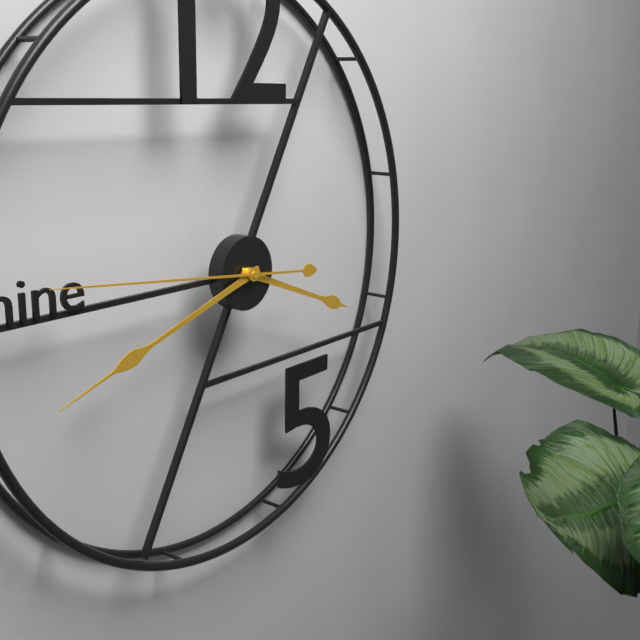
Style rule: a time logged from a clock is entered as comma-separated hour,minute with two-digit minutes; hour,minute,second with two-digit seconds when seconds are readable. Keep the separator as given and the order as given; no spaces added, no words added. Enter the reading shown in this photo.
3,42,46
